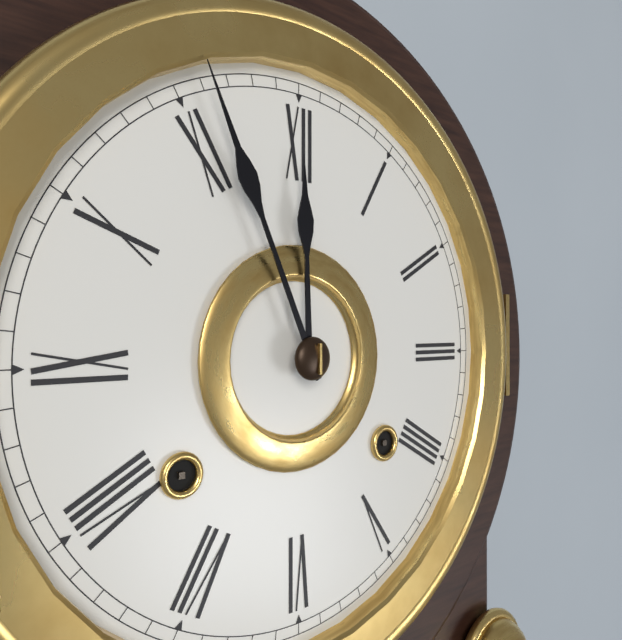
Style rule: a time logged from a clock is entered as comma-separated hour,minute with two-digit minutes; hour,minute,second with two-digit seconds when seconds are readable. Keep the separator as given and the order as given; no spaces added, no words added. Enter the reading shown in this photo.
11,56
